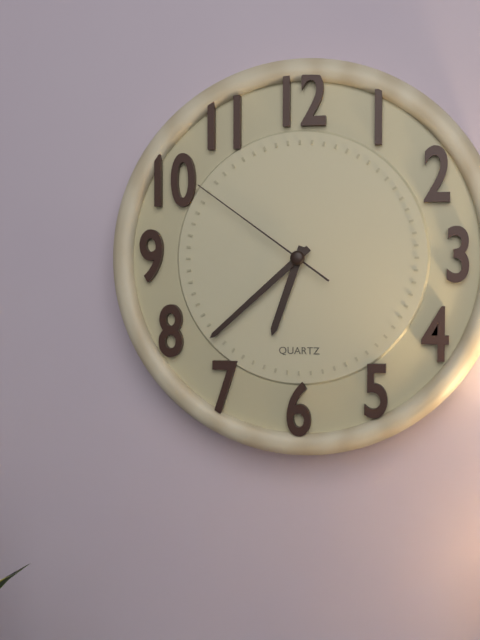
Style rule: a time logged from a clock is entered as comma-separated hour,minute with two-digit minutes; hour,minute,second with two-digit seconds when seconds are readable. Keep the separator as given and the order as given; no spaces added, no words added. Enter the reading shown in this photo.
6,38,51
